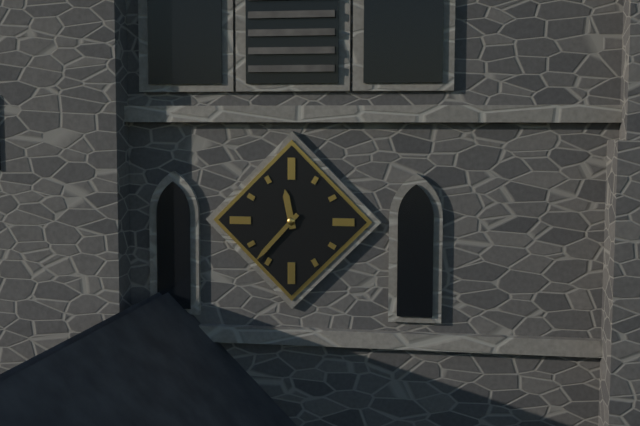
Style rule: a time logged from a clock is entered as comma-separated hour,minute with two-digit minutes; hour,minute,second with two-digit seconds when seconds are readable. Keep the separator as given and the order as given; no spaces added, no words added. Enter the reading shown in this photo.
11,37
